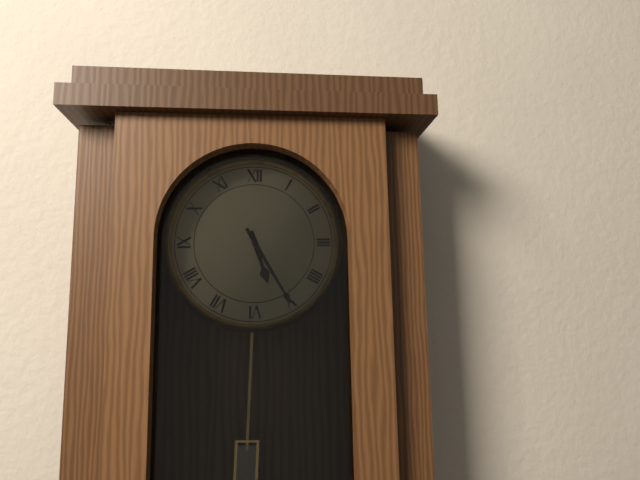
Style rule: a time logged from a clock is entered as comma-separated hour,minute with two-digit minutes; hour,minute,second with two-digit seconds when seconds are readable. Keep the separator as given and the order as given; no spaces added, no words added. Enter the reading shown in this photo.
5,25
